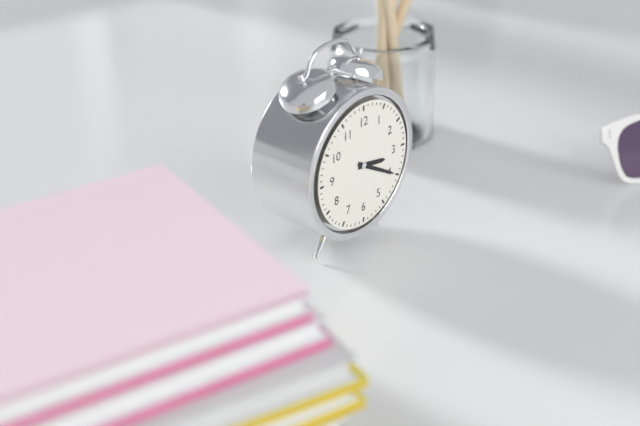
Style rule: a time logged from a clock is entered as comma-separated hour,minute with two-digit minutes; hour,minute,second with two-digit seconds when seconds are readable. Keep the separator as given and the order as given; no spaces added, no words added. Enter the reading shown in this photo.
3,20
